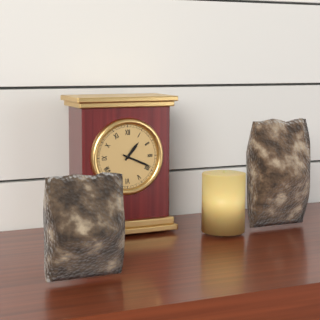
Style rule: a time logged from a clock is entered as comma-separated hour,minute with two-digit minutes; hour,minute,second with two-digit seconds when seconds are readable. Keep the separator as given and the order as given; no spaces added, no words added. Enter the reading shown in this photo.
1,19
